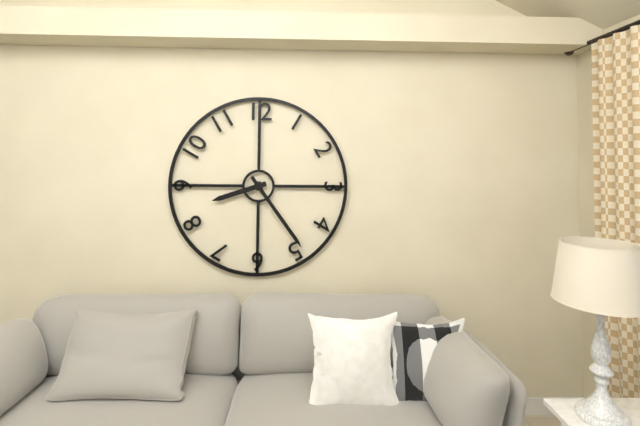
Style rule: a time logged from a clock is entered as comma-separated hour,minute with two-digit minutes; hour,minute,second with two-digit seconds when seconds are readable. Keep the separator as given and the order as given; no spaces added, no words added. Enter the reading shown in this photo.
8,24
